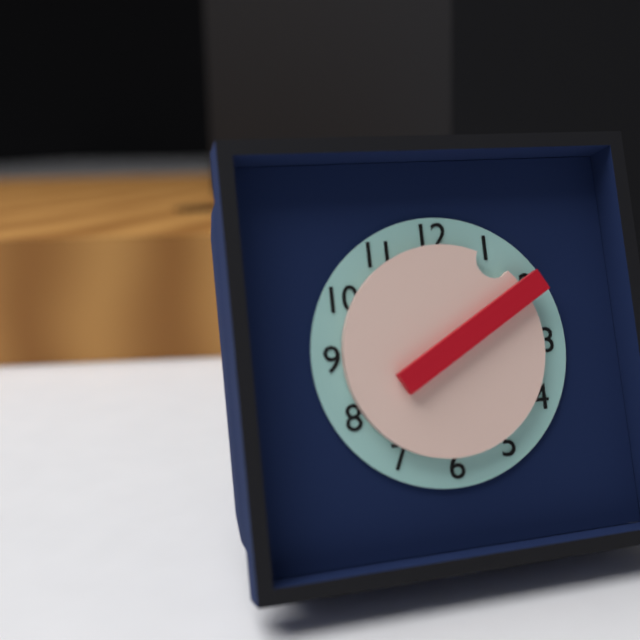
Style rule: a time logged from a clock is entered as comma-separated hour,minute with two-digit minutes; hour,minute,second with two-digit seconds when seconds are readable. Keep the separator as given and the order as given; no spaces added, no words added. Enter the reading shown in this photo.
1,10
